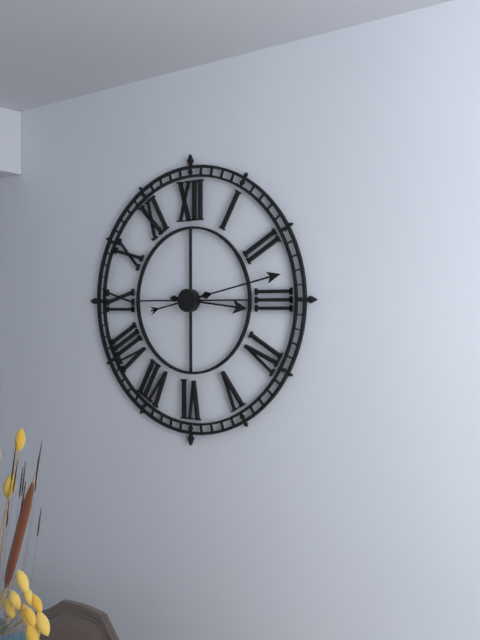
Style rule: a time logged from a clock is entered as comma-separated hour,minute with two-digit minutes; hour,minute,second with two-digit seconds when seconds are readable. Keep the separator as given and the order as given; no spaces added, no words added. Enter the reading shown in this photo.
3,13
